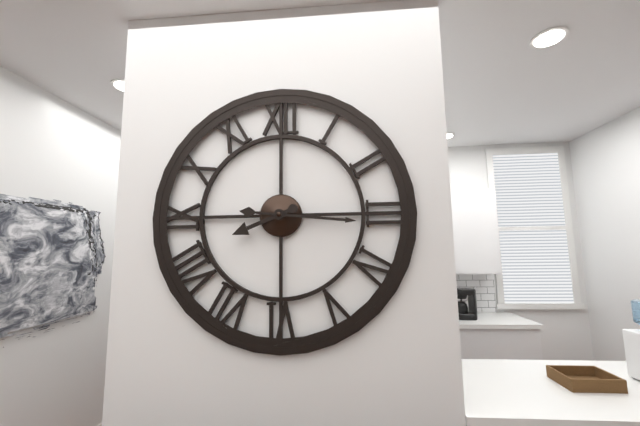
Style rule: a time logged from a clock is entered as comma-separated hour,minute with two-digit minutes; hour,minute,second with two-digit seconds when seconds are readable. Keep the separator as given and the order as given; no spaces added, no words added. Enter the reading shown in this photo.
8,16
